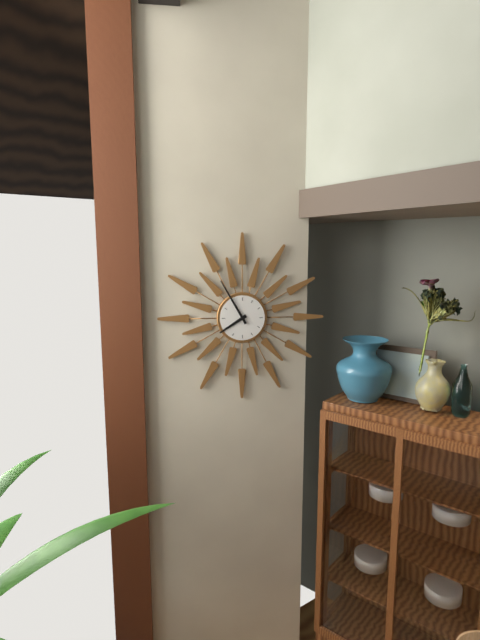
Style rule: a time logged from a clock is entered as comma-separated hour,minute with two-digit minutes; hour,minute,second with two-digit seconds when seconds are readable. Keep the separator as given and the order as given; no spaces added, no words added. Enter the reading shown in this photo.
7,55
